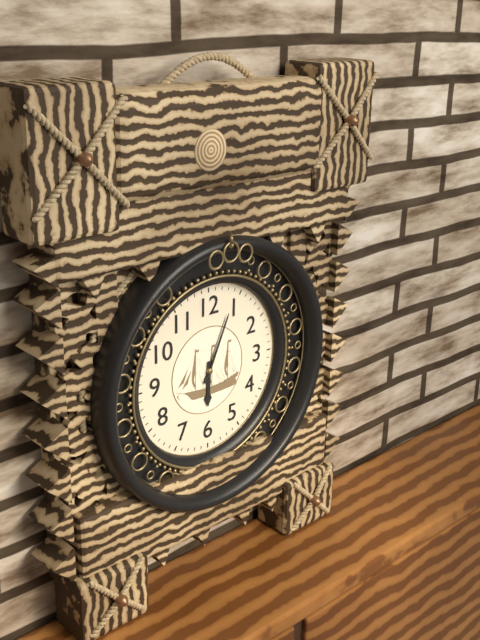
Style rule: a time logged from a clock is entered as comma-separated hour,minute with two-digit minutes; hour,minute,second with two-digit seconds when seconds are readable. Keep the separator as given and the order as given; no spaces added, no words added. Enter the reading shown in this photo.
6,04
